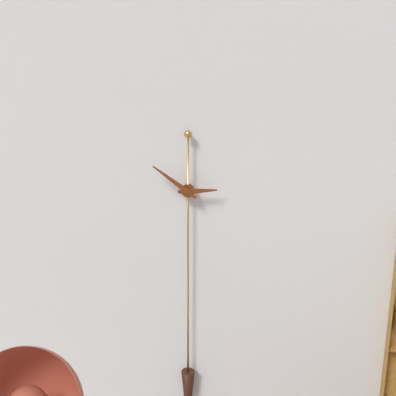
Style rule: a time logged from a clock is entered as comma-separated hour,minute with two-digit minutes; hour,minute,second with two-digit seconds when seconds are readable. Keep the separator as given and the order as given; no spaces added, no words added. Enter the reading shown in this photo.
2,51
